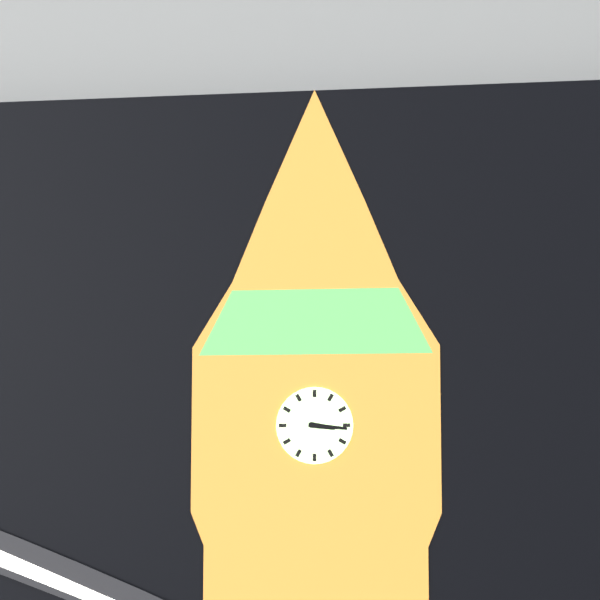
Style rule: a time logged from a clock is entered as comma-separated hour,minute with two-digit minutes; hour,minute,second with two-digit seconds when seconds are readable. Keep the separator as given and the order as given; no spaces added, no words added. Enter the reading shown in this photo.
3,16
